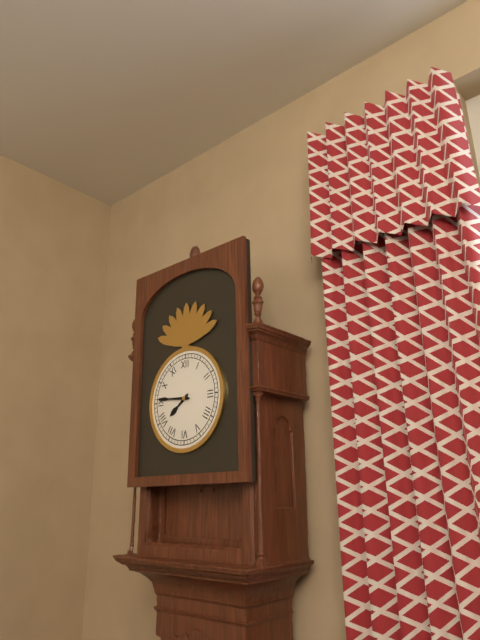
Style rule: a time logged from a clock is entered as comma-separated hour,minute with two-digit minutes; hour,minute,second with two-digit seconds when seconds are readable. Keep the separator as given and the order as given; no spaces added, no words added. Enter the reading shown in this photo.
7,46
